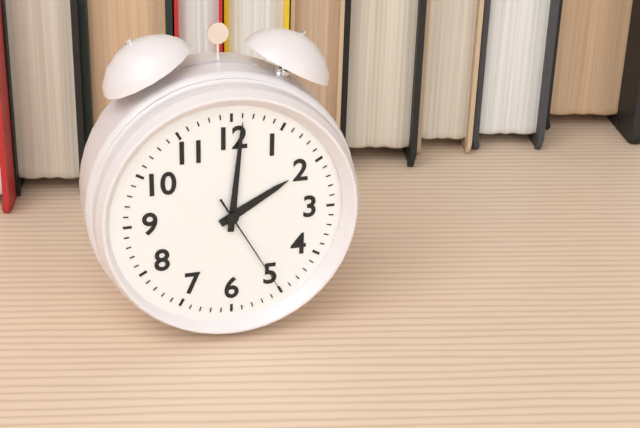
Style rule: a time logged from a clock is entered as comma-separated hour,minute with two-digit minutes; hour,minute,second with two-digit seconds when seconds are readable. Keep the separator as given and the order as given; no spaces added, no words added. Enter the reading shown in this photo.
2,01,25
